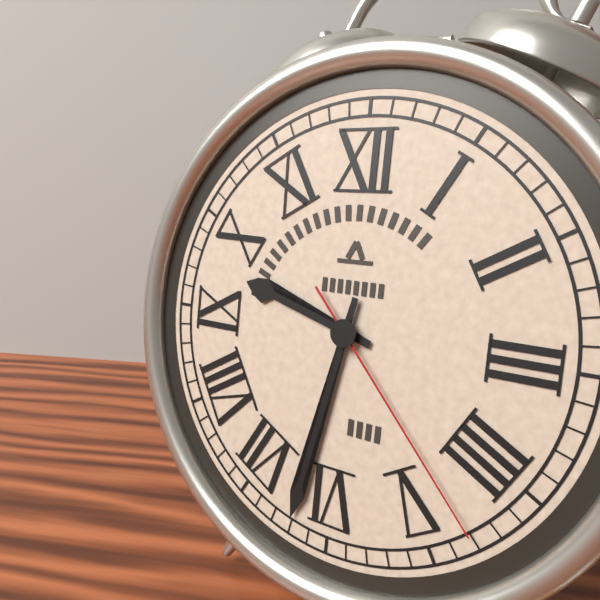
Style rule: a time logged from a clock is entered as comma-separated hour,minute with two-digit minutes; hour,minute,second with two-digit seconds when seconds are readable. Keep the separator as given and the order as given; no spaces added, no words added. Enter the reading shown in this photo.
9,32,23
